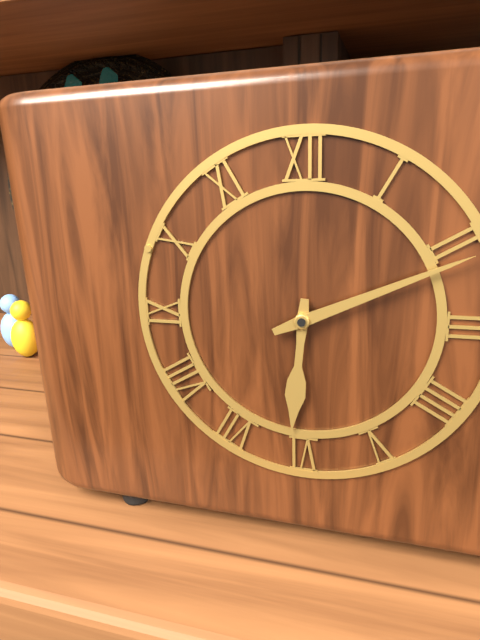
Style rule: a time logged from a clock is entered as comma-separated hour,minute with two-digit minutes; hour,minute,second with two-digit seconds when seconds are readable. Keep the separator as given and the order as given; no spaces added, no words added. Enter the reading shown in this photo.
6,11
